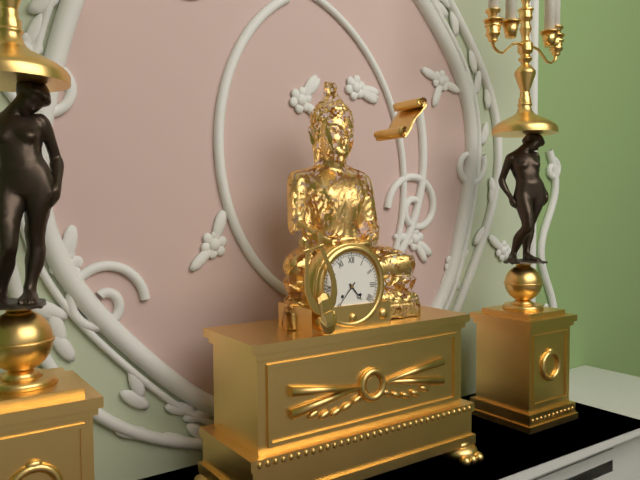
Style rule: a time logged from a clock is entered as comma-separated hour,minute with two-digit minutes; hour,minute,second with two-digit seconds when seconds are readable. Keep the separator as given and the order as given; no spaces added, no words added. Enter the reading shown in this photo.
4,37
